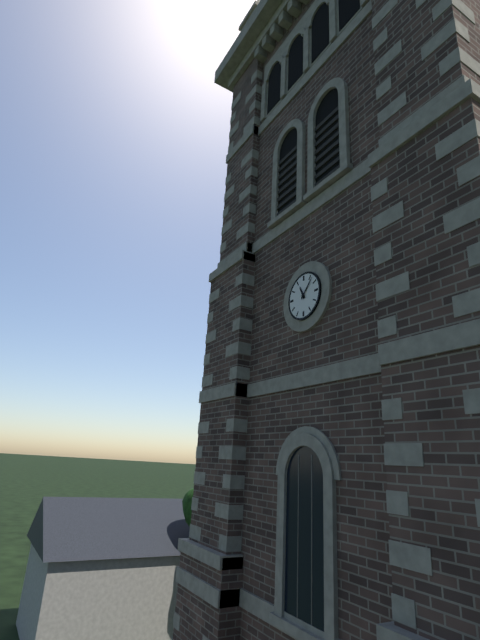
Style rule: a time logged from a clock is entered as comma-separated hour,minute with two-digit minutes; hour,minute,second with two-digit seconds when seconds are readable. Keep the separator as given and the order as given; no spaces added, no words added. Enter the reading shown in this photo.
11,07
